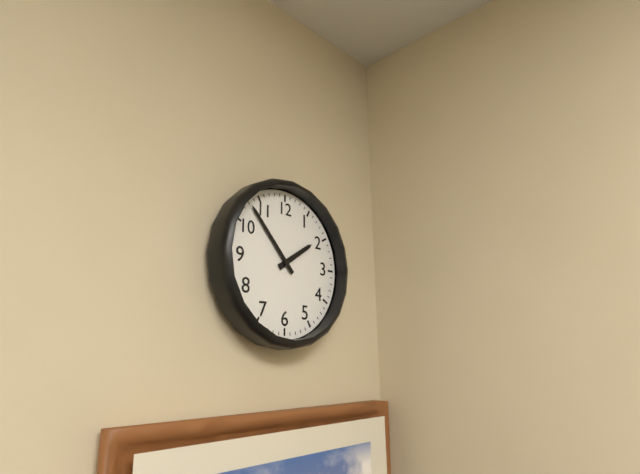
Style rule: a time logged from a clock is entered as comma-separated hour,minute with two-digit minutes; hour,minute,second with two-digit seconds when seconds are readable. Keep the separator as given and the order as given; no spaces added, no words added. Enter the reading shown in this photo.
1,53
